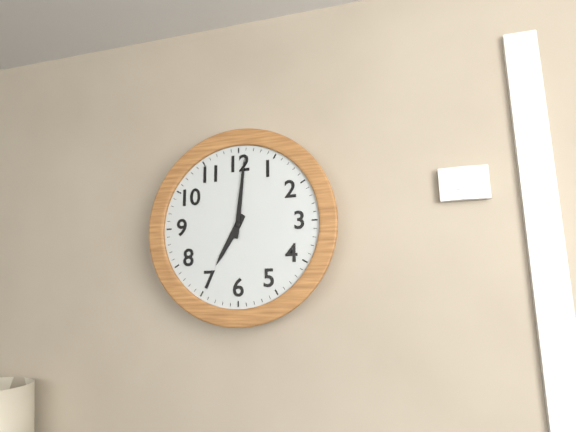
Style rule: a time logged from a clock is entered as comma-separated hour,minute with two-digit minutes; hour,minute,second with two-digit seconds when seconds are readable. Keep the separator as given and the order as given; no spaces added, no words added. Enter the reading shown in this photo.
7,01
